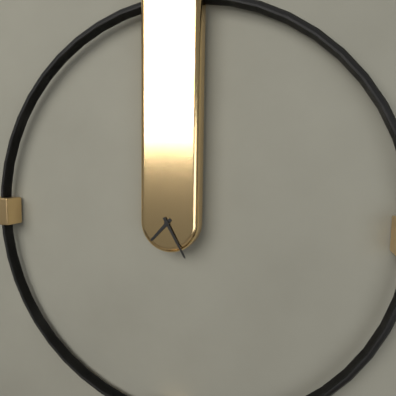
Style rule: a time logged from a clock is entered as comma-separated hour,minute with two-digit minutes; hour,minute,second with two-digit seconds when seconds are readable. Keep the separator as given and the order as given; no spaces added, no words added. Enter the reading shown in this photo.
7,25
